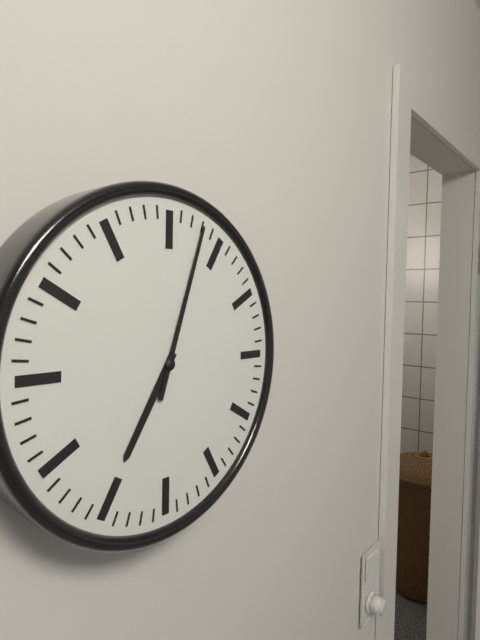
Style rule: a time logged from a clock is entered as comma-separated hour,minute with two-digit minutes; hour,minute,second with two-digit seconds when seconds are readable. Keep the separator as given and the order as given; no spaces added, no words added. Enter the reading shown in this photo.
7,03
